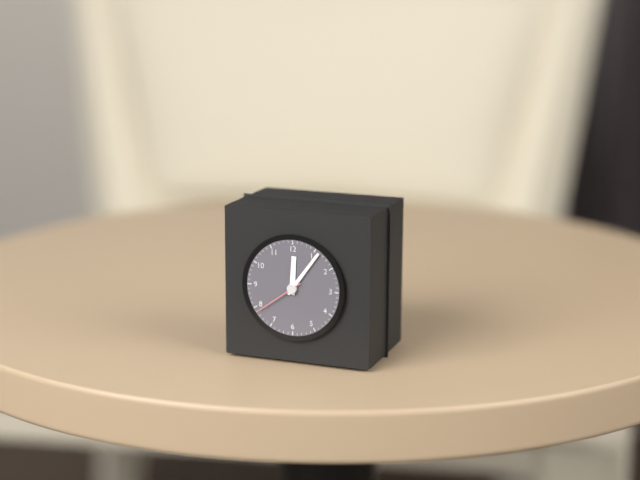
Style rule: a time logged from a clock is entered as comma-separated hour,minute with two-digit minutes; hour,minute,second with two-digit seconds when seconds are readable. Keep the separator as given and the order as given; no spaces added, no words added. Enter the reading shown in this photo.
12,06,39
